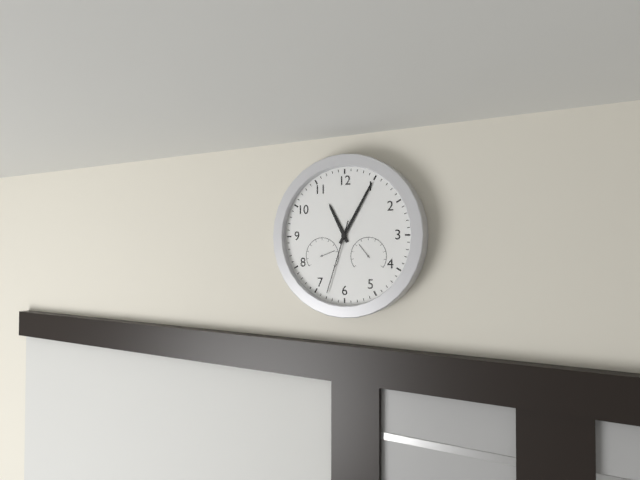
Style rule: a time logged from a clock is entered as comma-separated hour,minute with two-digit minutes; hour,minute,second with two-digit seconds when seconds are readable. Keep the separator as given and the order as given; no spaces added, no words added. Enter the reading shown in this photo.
11,05,33
